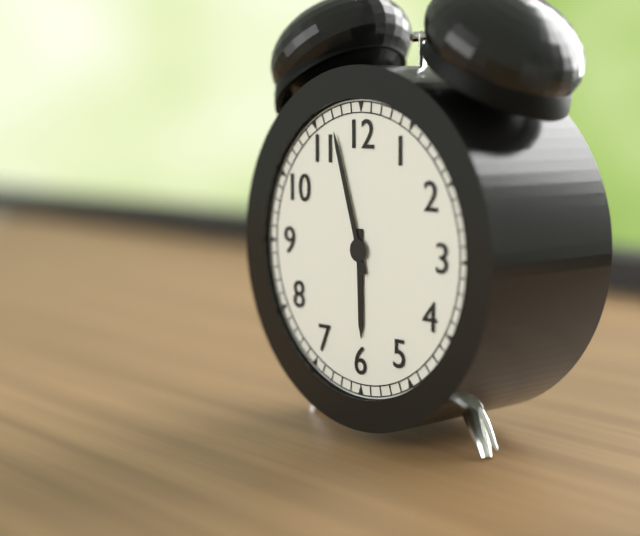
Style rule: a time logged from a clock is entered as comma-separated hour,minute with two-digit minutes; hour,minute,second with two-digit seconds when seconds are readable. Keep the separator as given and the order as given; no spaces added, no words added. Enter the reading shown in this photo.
5,57
